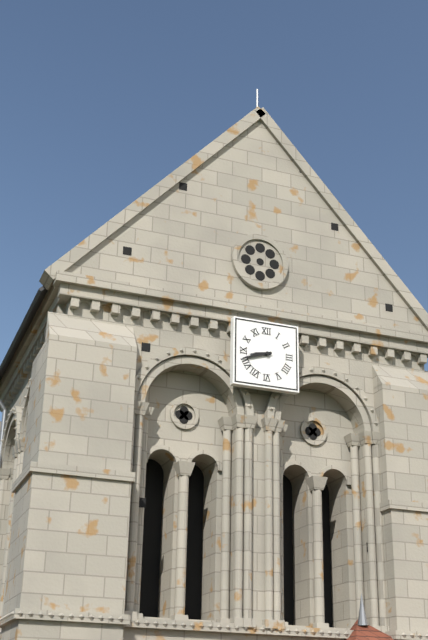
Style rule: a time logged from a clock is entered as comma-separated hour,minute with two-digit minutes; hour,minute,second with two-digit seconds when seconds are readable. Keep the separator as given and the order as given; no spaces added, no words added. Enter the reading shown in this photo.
8,42
